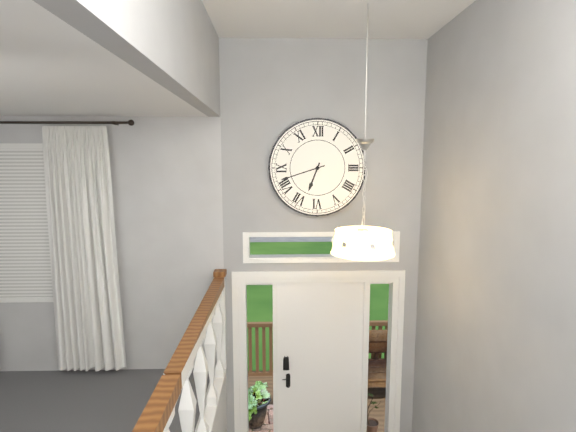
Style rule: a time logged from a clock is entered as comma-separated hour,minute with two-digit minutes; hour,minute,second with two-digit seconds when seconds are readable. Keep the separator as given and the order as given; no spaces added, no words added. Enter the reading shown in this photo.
6,42
